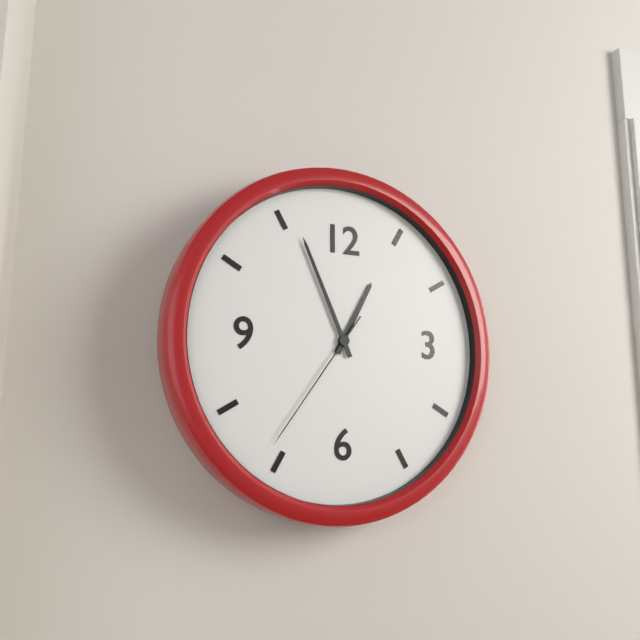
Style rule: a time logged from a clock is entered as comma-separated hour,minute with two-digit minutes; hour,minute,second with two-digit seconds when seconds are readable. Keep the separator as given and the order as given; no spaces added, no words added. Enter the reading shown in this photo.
12,56,36
